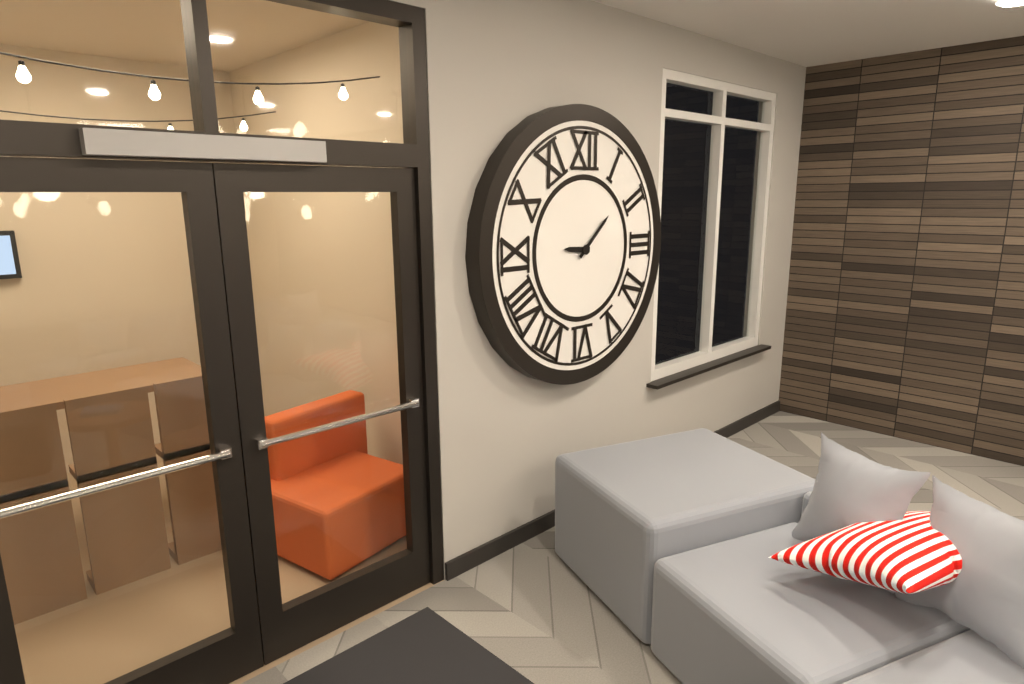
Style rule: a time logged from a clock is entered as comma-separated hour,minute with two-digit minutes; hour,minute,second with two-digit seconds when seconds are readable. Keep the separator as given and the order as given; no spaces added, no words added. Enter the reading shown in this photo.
9,08
